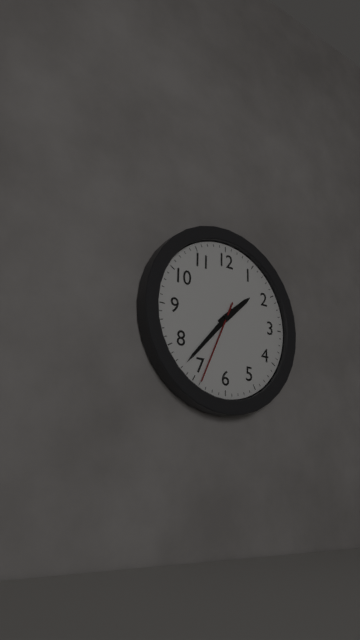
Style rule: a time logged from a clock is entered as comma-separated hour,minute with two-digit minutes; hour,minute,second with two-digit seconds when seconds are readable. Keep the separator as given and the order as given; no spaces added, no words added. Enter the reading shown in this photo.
1,37,34
